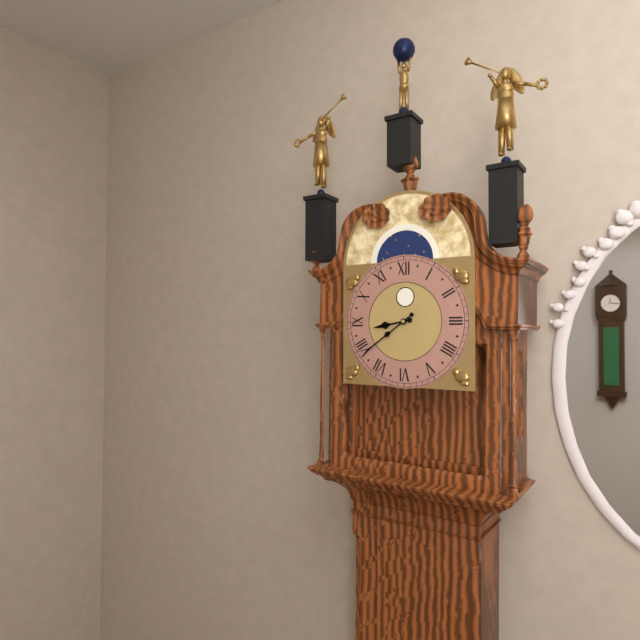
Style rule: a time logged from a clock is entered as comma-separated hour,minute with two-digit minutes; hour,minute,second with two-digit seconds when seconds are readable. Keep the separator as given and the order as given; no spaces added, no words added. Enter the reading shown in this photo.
8,39
